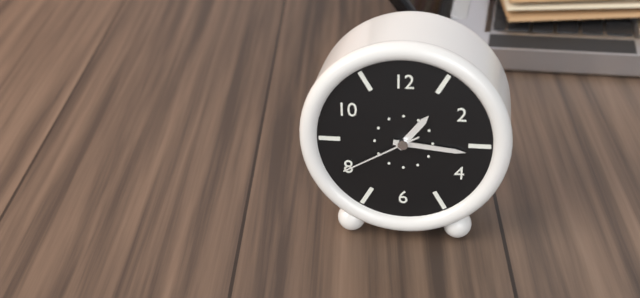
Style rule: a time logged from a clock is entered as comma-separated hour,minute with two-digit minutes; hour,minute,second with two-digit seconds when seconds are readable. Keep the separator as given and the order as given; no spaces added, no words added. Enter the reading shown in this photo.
1,16,40
